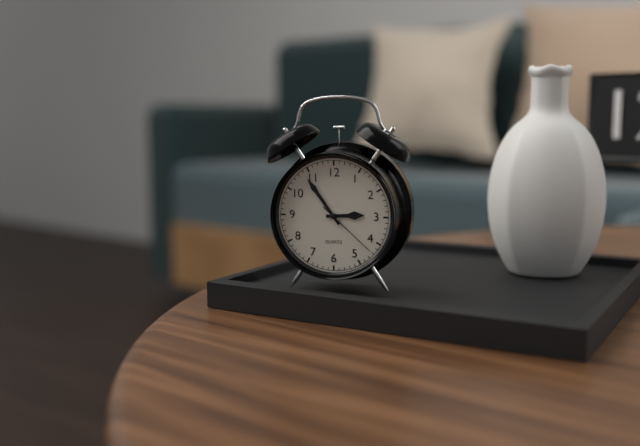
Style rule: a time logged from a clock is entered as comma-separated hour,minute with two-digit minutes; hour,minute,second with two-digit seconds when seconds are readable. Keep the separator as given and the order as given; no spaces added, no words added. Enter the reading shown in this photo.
2,54,22
